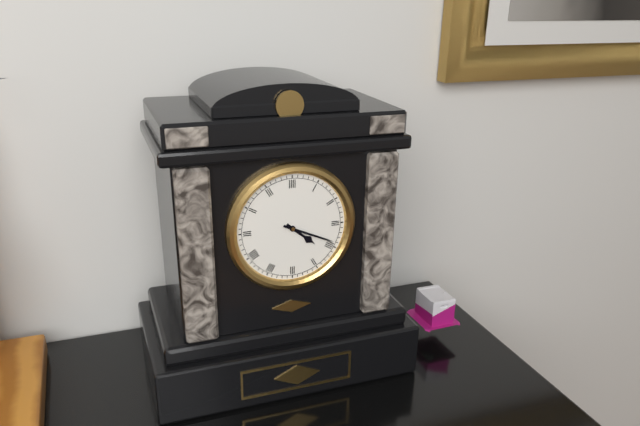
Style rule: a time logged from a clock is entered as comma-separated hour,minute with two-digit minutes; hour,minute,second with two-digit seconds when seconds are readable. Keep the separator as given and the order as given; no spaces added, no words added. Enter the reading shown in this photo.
4,19
